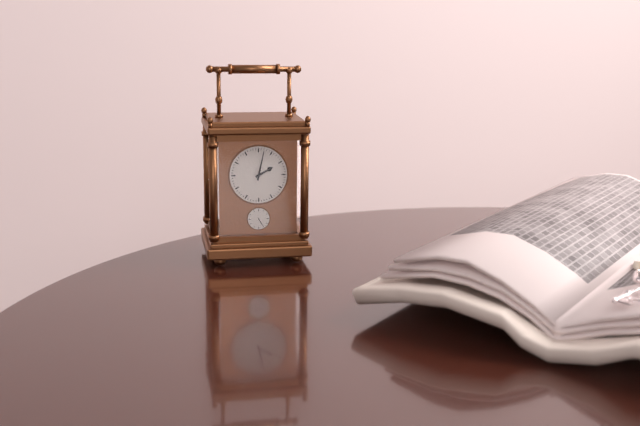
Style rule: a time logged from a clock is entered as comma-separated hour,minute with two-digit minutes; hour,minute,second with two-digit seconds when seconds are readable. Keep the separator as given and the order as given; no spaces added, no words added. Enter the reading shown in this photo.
2,02
